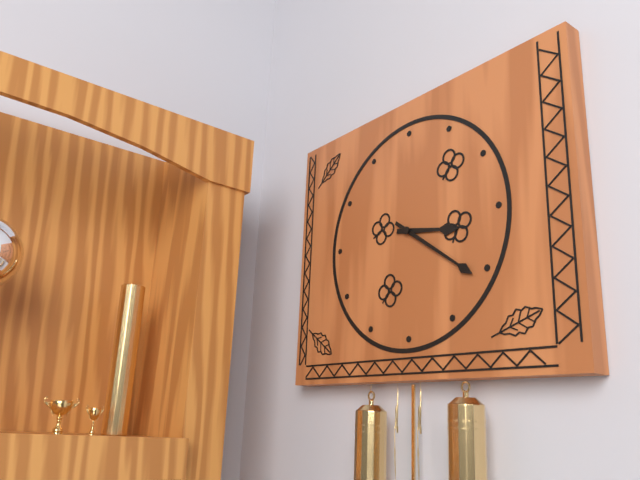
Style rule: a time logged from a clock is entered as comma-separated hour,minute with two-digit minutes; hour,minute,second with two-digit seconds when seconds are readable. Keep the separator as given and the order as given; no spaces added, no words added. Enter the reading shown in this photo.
3,21
